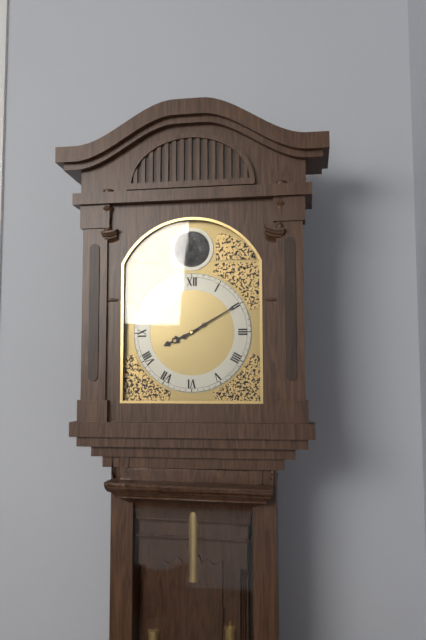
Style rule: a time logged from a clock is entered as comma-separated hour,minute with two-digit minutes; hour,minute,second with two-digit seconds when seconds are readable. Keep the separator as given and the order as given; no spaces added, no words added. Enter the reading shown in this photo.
8,10
